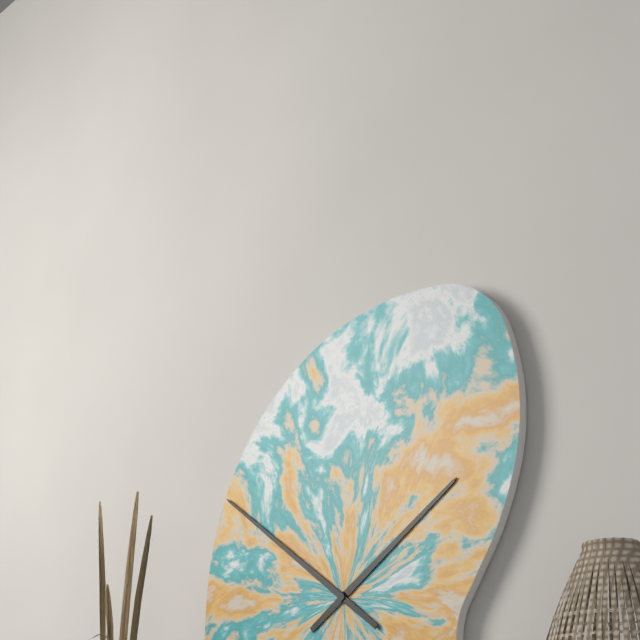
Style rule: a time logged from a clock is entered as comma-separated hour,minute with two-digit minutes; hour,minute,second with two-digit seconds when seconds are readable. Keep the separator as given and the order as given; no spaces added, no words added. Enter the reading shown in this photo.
1,51
